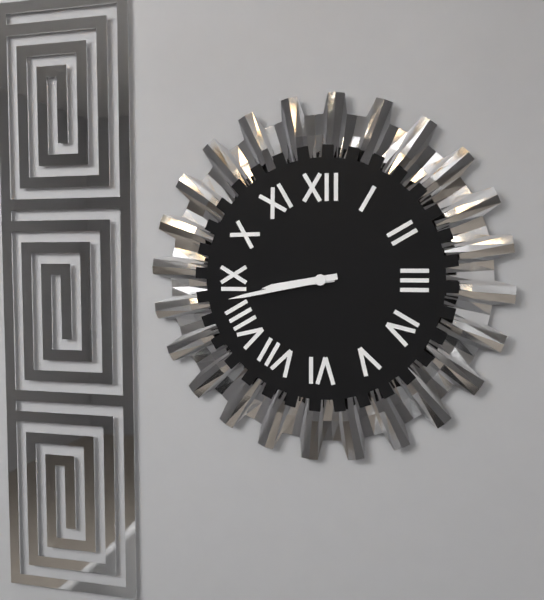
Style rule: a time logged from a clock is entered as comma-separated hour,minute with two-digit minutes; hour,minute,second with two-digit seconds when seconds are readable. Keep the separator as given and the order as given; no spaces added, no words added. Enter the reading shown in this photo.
8,43
